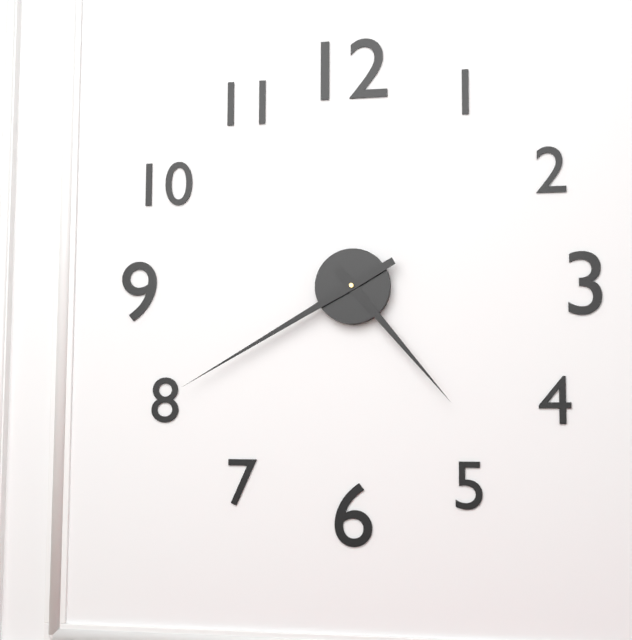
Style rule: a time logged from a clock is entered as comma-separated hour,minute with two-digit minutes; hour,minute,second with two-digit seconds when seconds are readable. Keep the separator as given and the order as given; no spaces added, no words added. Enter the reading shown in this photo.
4,40
